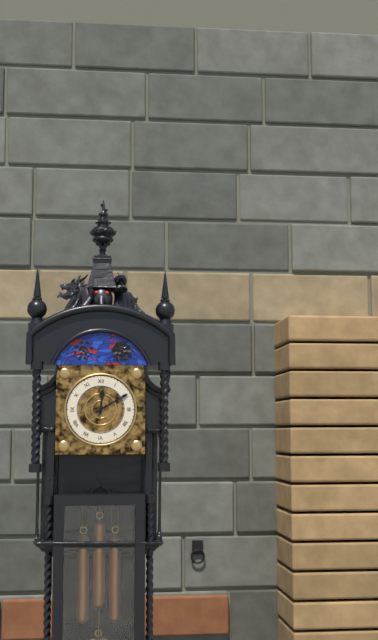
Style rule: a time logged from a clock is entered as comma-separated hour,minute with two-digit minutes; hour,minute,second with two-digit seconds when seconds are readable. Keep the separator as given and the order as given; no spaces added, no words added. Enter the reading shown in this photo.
12,10
